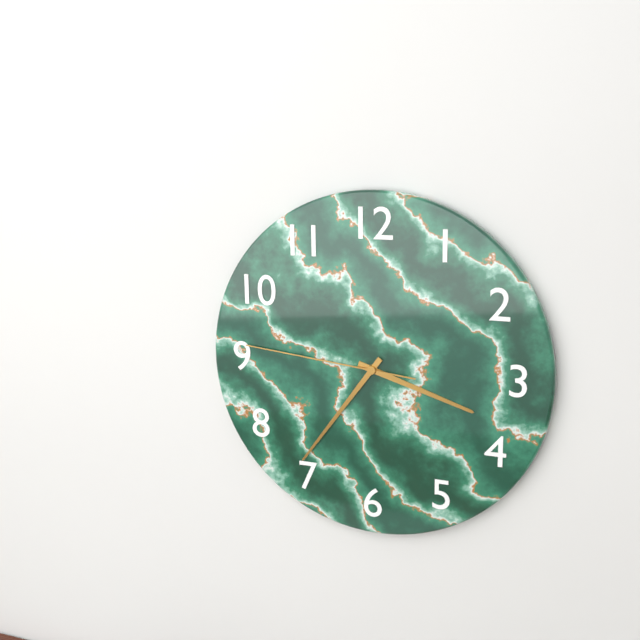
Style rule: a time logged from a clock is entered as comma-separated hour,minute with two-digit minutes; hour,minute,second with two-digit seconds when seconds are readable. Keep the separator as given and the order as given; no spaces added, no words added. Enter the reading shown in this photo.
3,36,46
